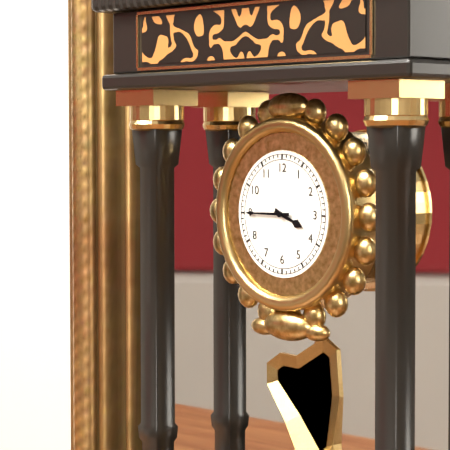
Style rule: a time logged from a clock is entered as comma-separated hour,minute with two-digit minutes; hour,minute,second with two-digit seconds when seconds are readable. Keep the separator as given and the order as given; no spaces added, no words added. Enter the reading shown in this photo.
3,45
